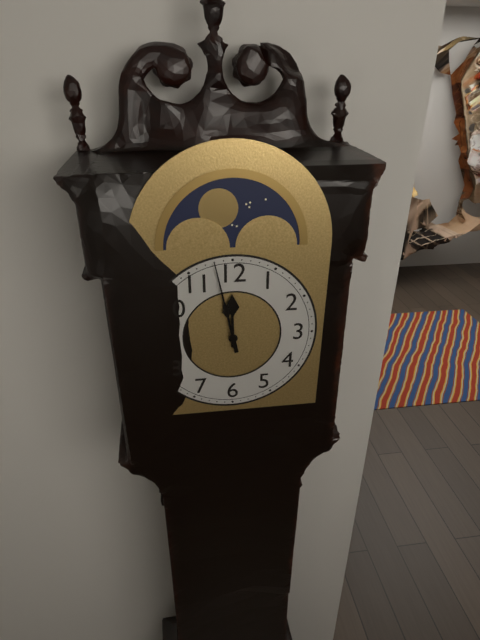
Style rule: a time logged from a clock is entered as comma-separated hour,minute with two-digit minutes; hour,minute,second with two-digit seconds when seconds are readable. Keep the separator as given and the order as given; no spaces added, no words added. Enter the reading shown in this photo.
11,58
